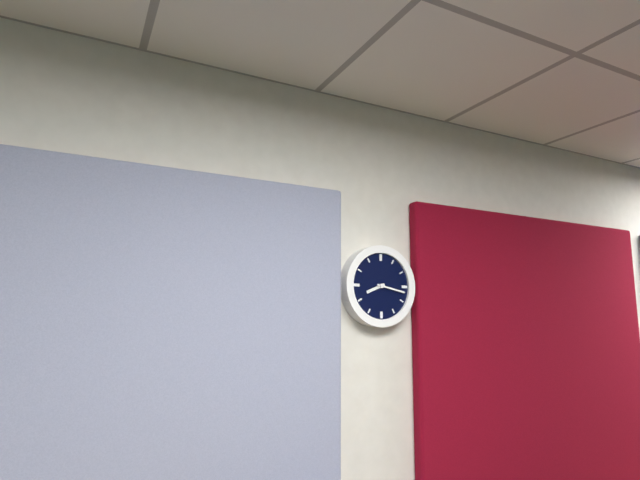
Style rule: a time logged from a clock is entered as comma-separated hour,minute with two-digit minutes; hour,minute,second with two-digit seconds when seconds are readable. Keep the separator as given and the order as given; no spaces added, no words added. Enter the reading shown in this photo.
8,17
